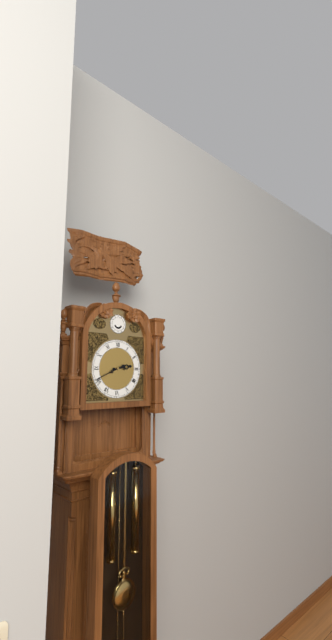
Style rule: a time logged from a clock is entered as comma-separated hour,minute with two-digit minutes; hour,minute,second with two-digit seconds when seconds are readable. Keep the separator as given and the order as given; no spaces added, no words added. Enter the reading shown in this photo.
2,41
